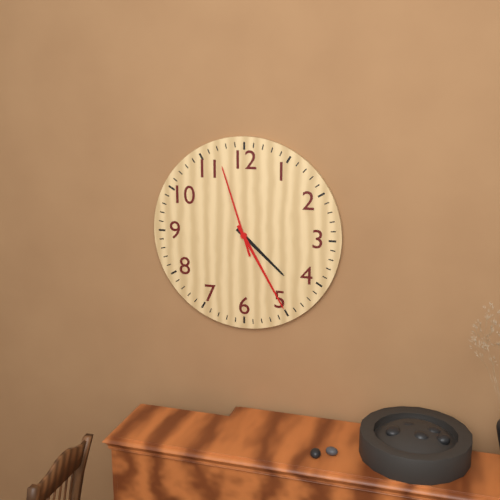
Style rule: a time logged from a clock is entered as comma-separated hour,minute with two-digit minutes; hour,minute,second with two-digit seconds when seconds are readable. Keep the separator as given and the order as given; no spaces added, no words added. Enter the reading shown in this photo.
4,25,57
